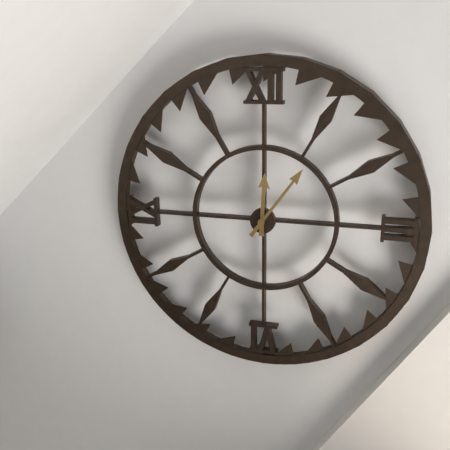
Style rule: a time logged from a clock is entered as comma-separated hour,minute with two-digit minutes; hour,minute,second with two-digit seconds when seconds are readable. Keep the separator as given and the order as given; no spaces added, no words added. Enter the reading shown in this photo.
12,06
